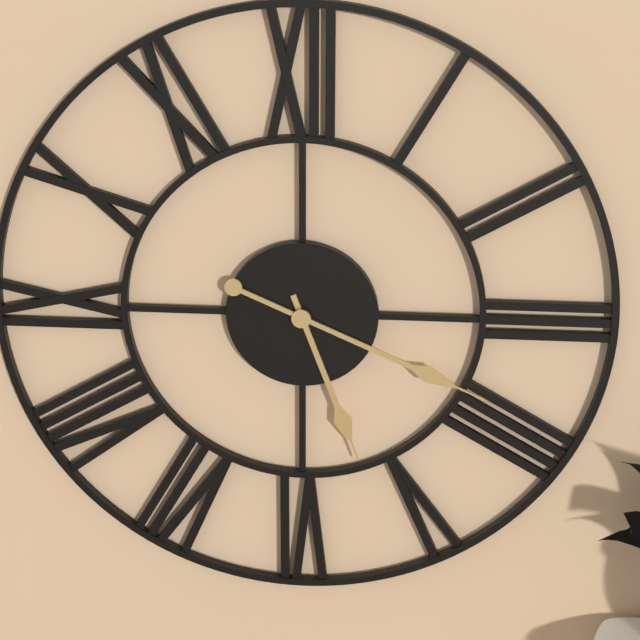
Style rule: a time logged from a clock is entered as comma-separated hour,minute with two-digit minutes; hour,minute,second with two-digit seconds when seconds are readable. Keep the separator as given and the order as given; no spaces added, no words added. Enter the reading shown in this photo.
5,19
